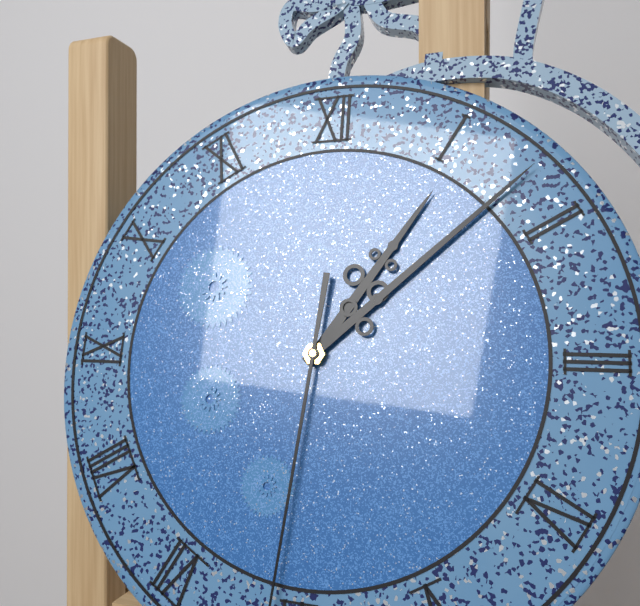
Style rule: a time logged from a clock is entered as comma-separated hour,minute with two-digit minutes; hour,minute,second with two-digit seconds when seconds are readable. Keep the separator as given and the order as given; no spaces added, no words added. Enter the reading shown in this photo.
1,08
